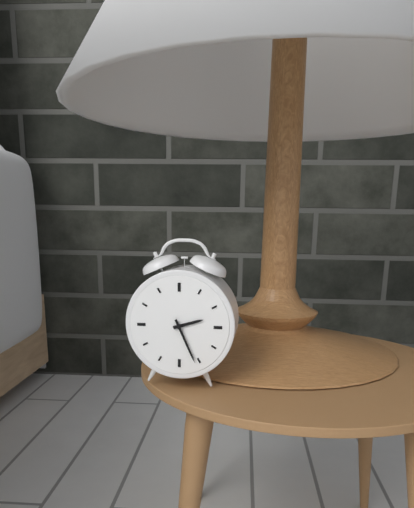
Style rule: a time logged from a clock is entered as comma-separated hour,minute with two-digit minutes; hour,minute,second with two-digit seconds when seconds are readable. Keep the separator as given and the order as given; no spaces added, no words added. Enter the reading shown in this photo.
2,26
